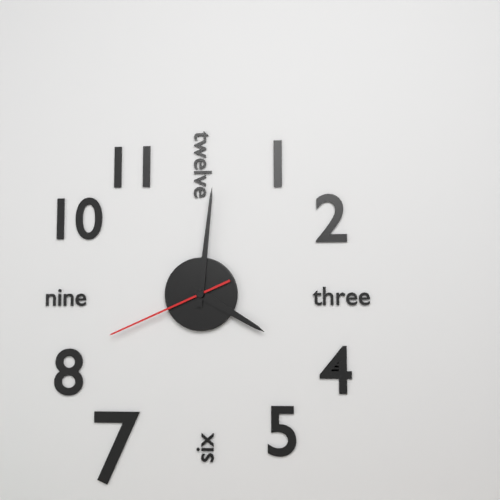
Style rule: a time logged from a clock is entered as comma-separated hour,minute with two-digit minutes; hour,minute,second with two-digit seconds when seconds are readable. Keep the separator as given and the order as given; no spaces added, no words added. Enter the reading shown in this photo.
4,01,41
